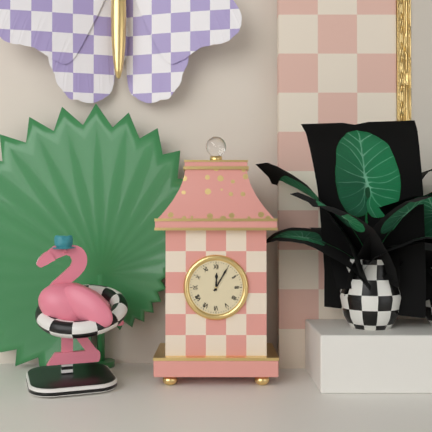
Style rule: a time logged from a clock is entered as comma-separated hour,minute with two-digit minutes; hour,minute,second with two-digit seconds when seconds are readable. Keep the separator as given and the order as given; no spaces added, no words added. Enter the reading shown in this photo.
12,05
